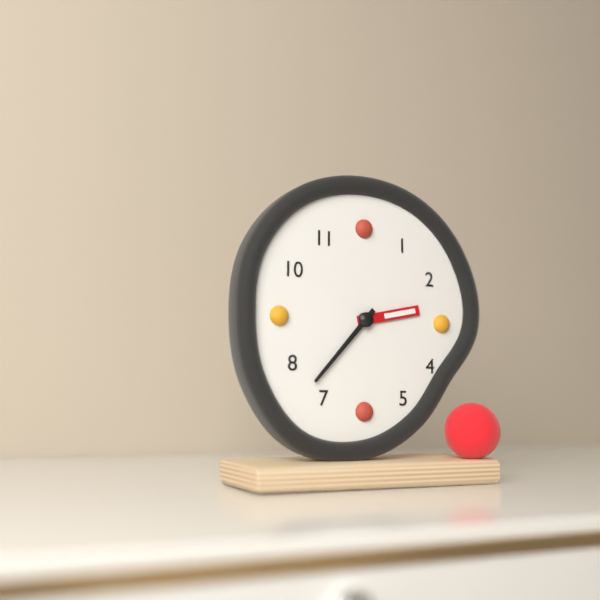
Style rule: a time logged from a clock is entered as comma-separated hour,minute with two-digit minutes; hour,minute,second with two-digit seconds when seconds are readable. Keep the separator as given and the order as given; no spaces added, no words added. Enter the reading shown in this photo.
2,37
